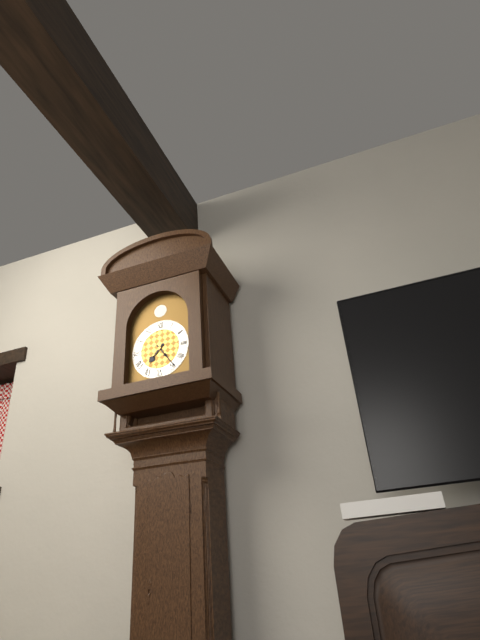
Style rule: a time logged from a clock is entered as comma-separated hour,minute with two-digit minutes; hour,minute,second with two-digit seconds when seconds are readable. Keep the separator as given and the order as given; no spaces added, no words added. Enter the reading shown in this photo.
7,24
